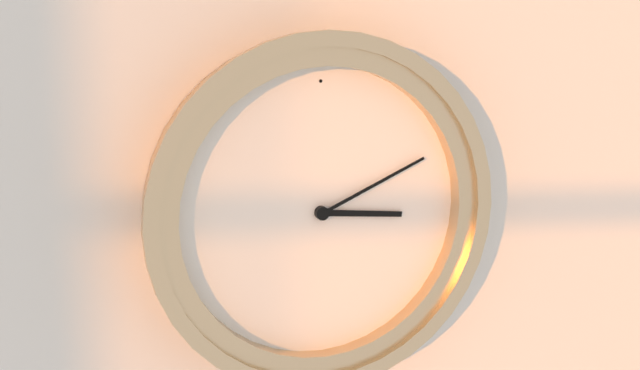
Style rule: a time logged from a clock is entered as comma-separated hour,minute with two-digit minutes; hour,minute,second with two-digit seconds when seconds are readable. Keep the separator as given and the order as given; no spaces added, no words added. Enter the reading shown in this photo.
3,11
